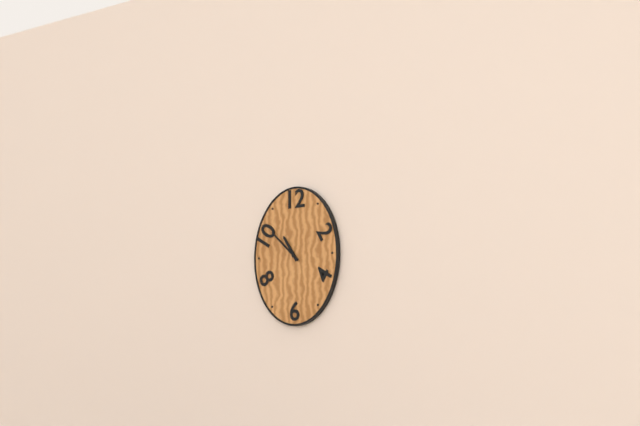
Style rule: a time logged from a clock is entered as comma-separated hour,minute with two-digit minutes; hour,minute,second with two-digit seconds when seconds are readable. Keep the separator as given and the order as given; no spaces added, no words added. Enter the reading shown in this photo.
10,52
